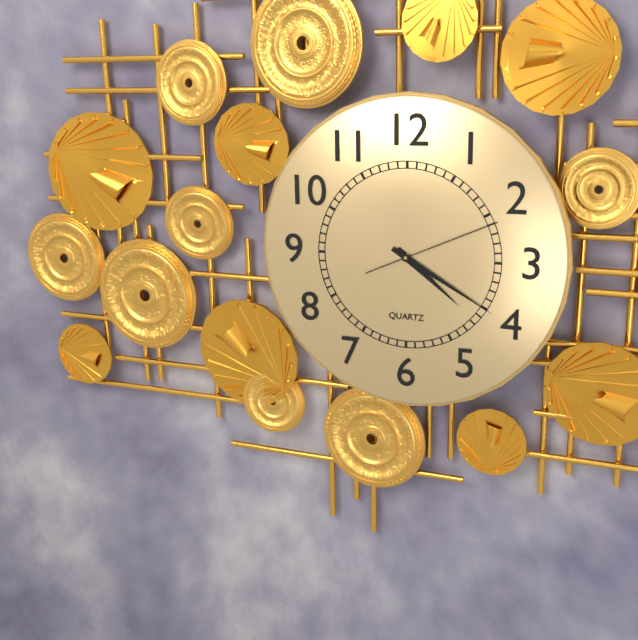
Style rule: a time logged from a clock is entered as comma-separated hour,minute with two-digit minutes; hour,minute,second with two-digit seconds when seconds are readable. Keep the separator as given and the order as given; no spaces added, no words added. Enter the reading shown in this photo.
4,20,11
